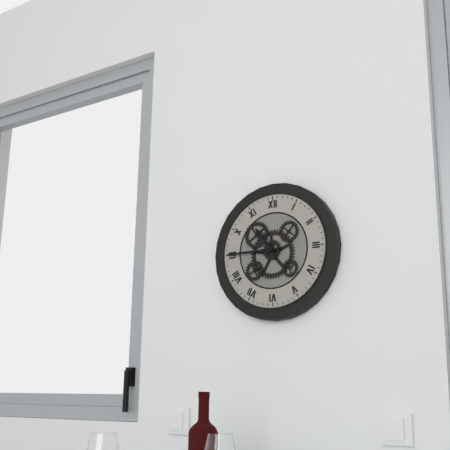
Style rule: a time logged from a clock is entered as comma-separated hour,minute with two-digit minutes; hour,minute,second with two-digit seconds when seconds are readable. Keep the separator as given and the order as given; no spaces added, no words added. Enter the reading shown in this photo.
10,45
